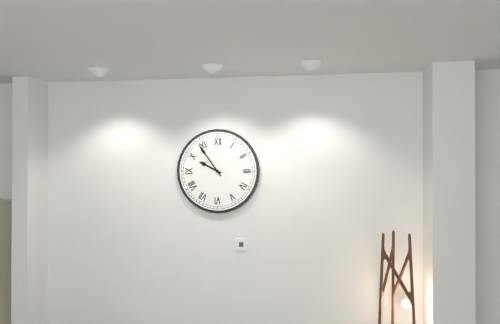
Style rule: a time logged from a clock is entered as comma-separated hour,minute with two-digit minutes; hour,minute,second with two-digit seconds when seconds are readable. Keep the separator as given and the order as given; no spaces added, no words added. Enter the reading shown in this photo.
9,54
